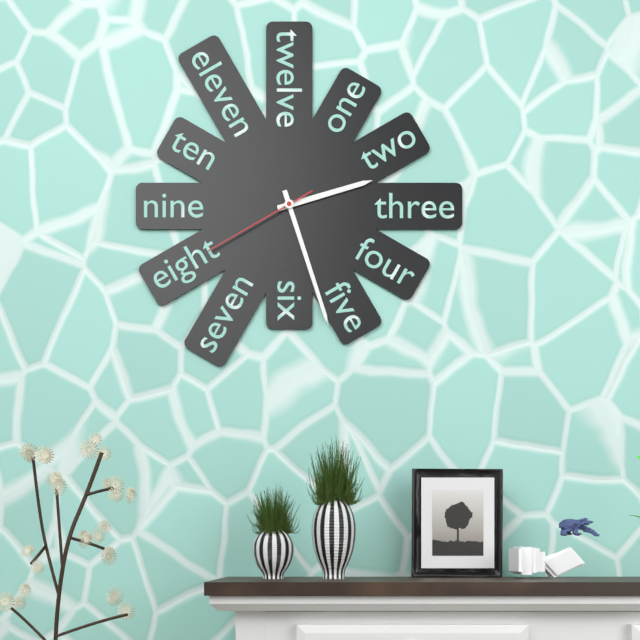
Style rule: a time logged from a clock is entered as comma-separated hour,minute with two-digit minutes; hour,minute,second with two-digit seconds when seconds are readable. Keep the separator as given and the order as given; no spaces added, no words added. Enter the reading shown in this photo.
2,27,40
